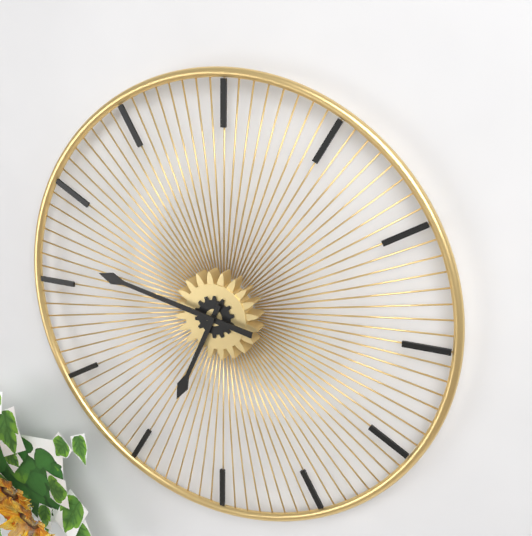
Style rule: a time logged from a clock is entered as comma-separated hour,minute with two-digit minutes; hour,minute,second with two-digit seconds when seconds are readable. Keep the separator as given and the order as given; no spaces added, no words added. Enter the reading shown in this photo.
6,47
